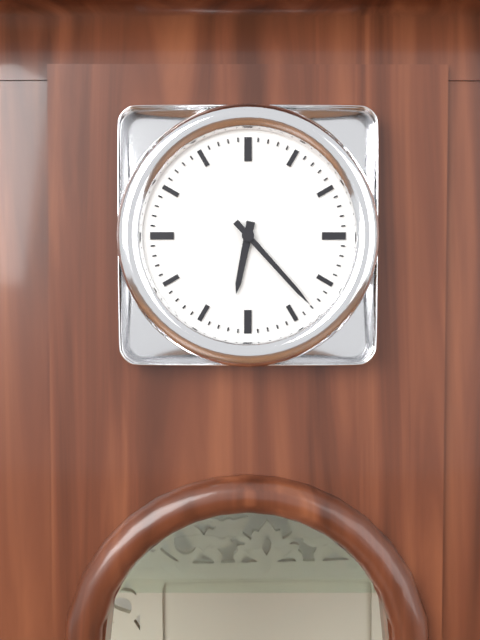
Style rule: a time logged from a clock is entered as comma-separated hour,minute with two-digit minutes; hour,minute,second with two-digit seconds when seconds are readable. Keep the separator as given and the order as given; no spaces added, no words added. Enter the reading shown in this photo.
6,23
